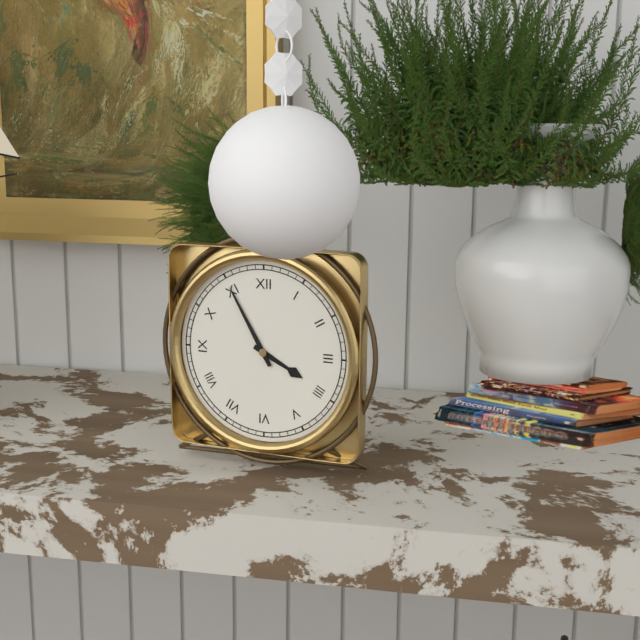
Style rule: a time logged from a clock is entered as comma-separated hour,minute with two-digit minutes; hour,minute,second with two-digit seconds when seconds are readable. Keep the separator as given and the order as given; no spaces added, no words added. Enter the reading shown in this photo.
3,55
